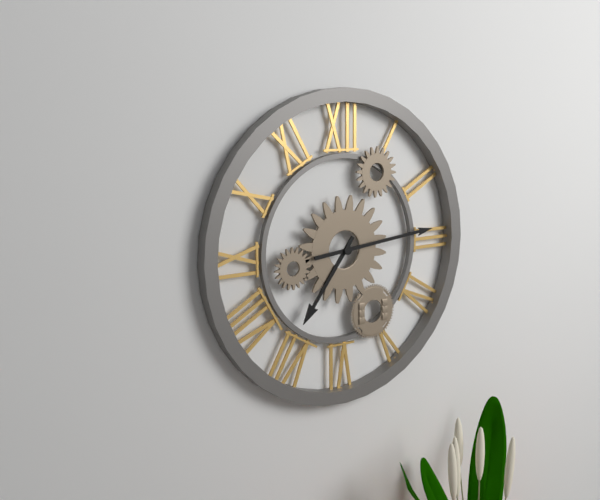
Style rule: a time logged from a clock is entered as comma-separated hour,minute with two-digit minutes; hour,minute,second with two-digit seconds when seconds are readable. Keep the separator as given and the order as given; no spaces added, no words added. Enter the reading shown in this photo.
7,14
